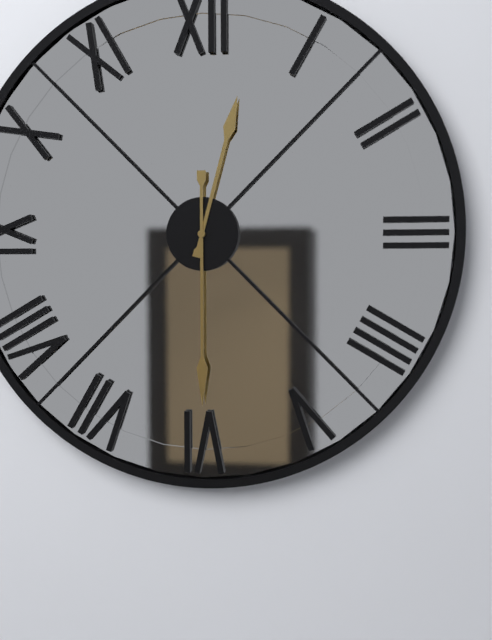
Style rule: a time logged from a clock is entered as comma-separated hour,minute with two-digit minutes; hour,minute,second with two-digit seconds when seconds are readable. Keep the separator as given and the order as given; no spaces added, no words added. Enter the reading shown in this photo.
12,30
